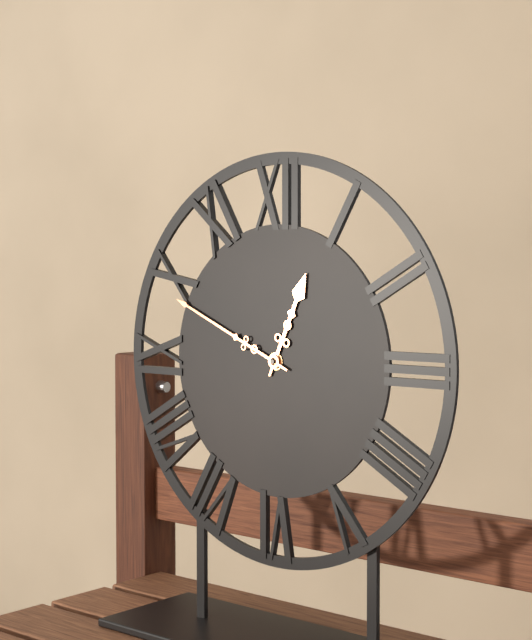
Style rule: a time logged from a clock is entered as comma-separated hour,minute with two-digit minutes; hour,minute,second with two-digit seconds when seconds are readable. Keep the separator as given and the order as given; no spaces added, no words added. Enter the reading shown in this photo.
12,49
